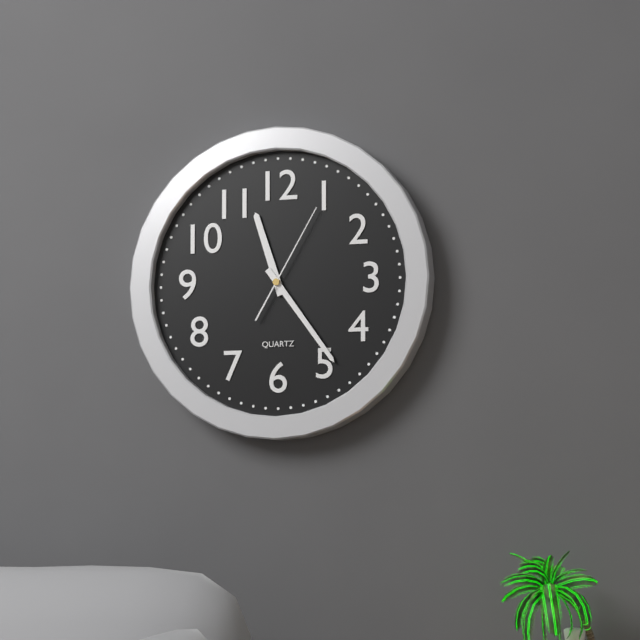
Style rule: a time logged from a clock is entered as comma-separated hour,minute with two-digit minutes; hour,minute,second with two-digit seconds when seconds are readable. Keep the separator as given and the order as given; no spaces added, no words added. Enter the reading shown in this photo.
11,24,05
